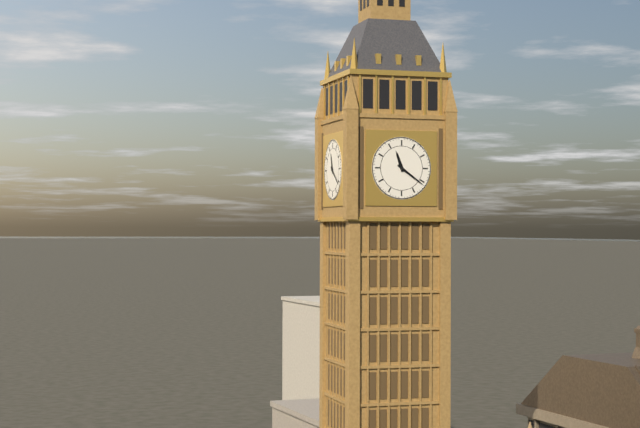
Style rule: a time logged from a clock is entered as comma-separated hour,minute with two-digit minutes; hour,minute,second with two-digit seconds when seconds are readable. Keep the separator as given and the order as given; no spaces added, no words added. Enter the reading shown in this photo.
11,21
